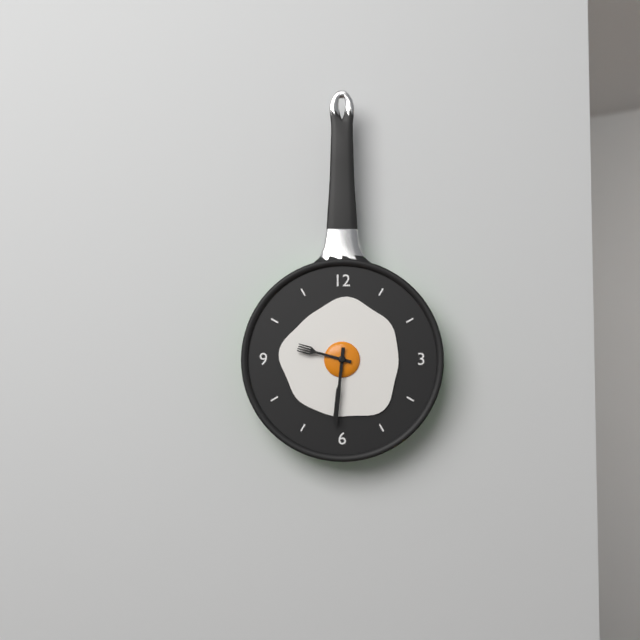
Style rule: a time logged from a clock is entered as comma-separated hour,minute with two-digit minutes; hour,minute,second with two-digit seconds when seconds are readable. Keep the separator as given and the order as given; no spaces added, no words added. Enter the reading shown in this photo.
9,31
